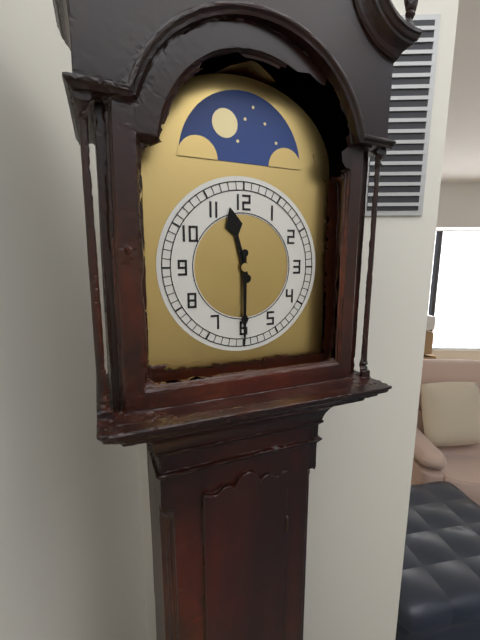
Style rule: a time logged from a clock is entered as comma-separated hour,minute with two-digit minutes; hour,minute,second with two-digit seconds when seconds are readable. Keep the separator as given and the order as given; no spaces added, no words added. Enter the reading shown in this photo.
11,30
